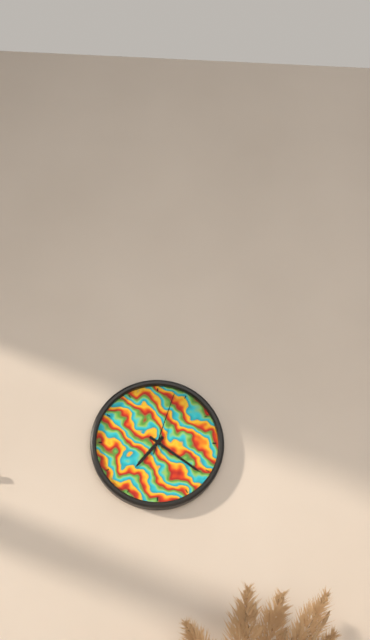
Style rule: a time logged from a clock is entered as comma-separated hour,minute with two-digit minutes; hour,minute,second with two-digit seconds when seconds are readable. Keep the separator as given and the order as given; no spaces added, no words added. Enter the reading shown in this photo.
7,21,03
